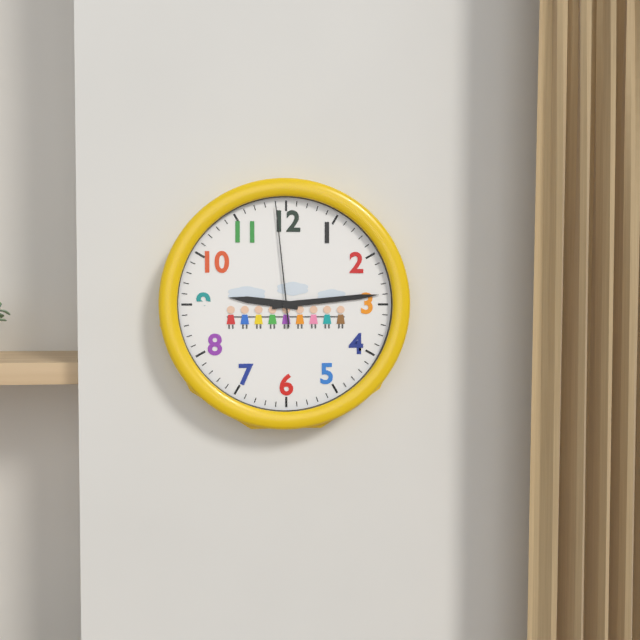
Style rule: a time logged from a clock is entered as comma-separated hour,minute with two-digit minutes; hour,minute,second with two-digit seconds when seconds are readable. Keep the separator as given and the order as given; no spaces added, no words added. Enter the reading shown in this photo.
9,14,59
